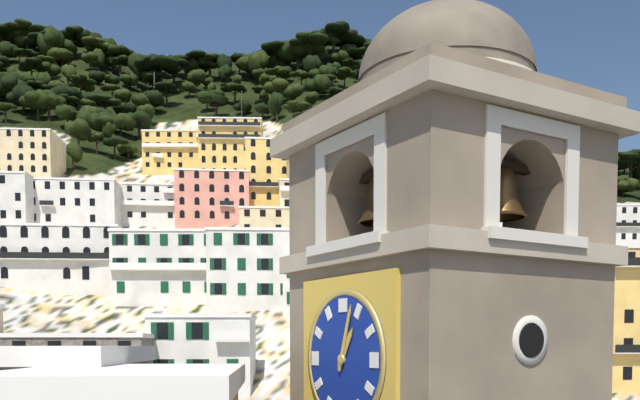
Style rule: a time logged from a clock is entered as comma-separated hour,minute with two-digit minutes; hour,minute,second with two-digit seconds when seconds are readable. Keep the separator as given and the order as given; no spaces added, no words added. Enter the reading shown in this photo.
1,03
